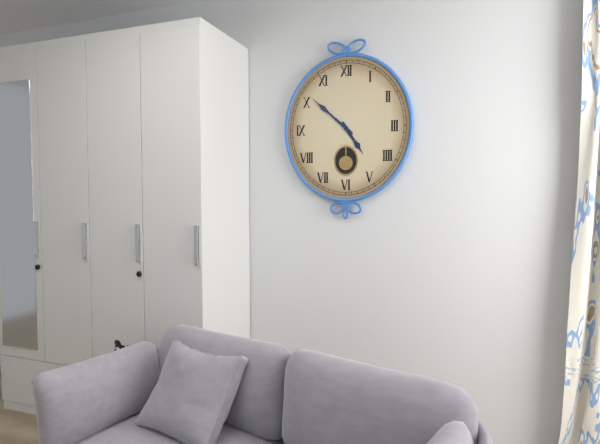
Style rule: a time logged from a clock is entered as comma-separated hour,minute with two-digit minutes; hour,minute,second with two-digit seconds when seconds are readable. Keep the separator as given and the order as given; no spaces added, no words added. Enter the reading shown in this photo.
4,52
